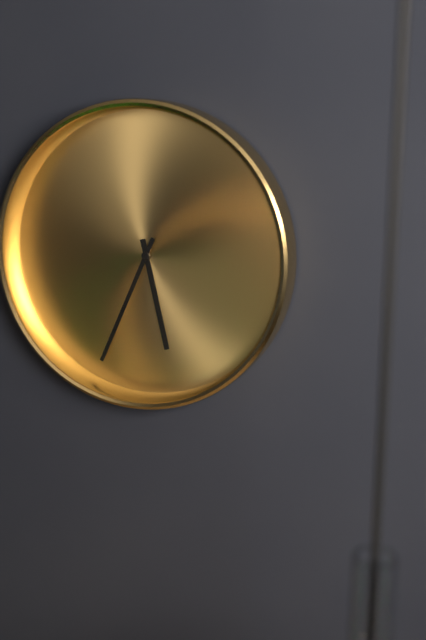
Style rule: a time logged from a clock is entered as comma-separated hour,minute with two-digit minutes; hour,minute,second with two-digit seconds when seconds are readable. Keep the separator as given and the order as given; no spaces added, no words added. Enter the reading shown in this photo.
5,34
